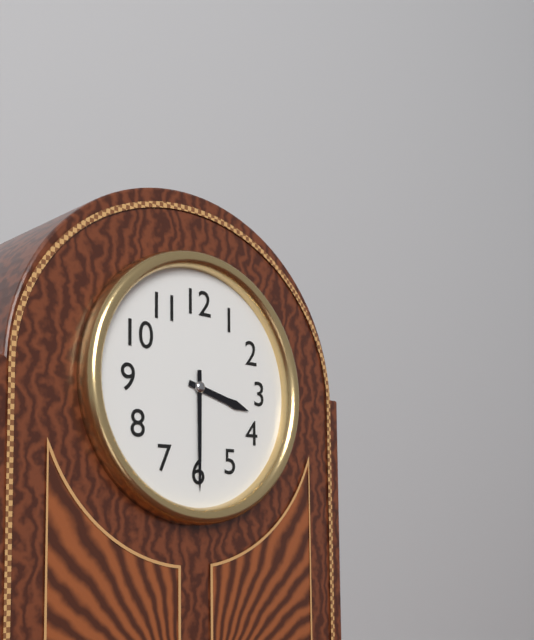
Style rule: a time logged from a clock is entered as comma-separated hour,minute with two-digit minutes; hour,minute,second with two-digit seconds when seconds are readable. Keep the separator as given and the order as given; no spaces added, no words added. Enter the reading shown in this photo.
3,30
